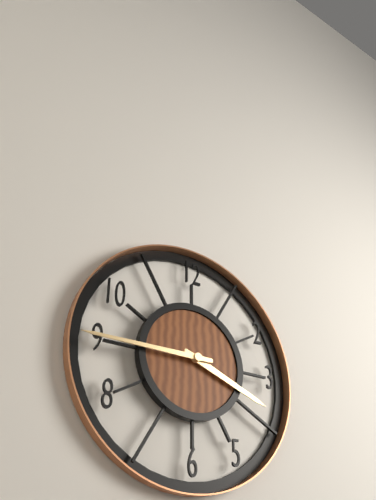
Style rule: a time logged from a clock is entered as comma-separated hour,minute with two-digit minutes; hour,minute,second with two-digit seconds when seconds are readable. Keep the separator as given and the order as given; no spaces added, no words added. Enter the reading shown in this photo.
3,45
